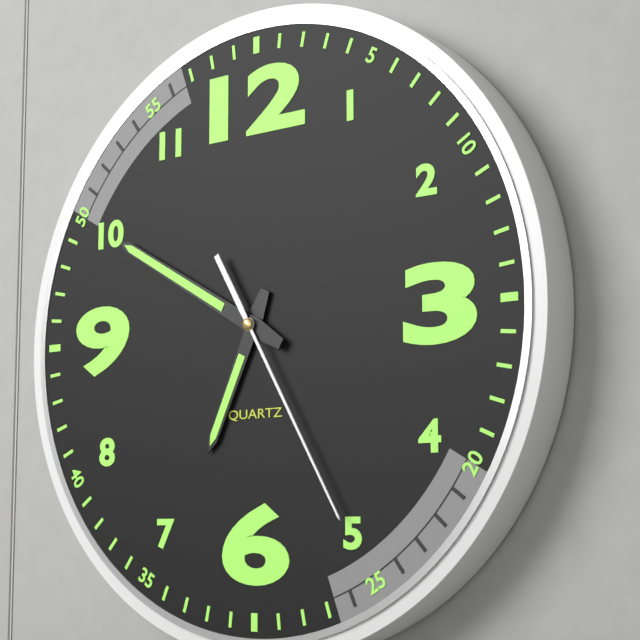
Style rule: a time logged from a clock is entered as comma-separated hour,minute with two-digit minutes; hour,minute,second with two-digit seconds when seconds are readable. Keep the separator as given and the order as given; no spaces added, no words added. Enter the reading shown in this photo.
6,50,25
